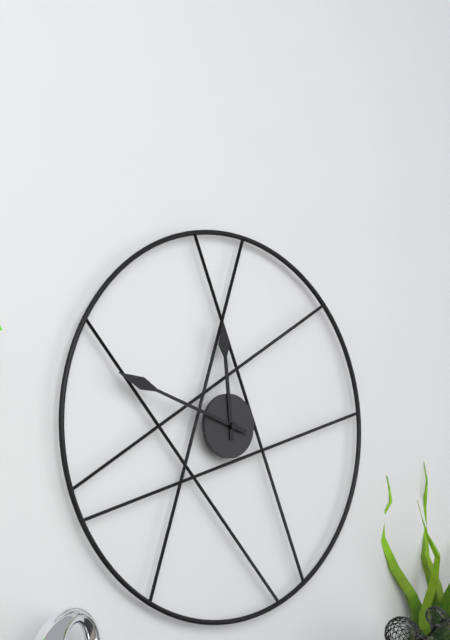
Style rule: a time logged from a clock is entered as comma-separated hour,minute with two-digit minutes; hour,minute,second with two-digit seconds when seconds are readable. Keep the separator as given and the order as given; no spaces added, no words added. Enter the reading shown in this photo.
11,48
